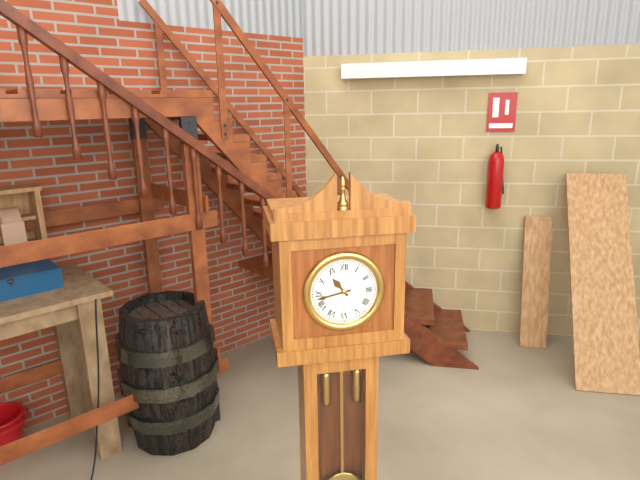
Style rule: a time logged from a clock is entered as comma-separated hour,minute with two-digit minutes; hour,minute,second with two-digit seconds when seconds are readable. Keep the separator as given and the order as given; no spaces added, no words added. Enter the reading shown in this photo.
10,43
